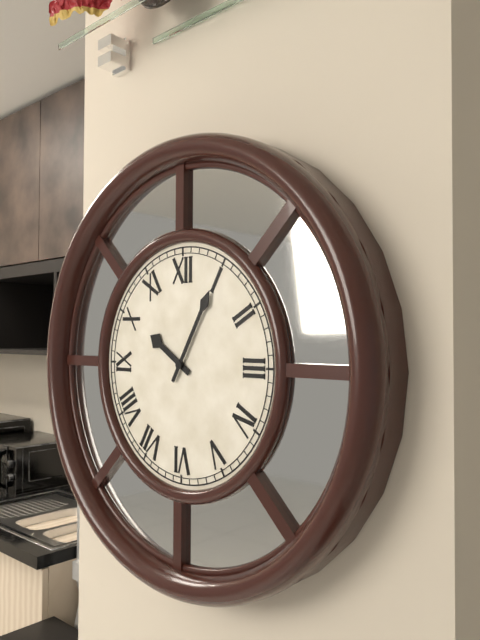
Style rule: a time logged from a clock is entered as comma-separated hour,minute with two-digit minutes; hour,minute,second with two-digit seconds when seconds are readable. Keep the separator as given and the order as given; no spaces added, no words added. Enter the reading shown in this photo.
10,05
